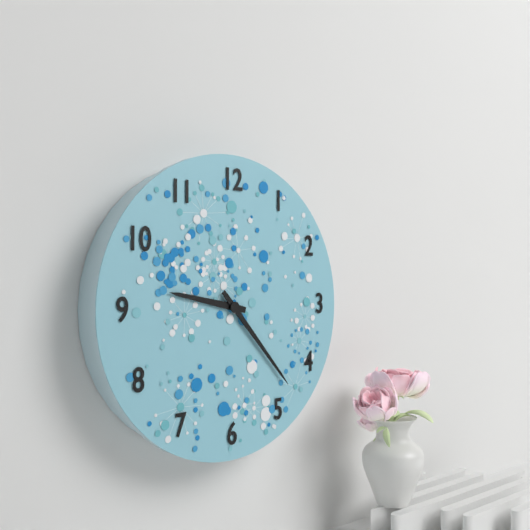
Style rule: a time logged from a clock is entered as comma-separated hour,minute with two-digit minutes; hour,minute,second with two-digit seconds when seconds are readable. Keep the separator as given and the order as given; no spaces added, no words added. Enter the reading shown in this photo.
9,23
